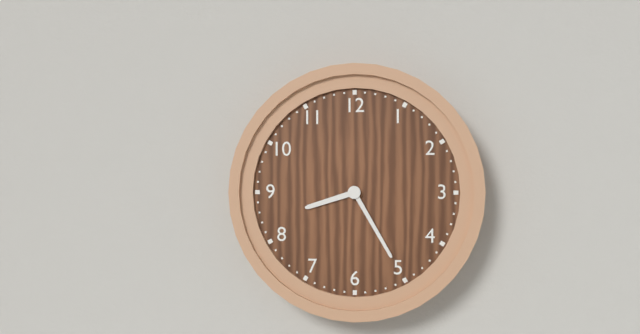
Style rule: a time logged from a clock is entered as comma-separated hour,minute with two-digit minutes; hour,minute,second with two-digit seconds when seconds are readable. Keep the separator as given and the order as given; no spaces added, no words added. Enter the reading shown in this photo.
8,25
